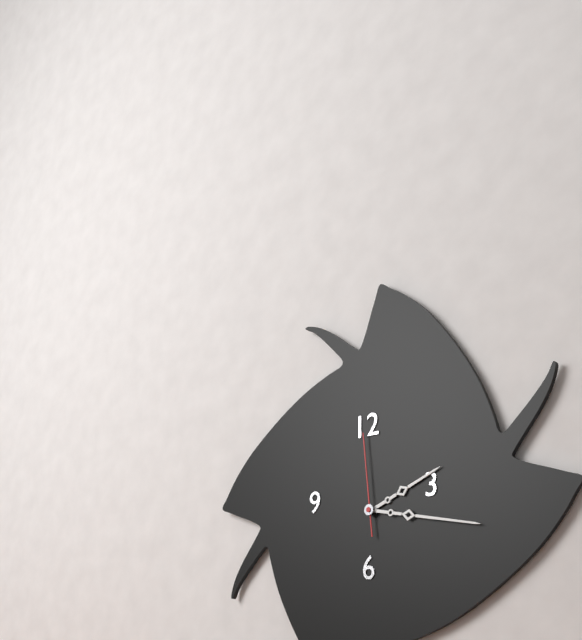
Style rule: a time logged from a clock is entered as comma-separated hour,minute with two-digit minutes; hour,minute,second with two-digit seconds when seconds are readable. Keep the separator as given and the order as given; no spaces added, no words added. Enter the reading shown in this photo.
2,17,59
